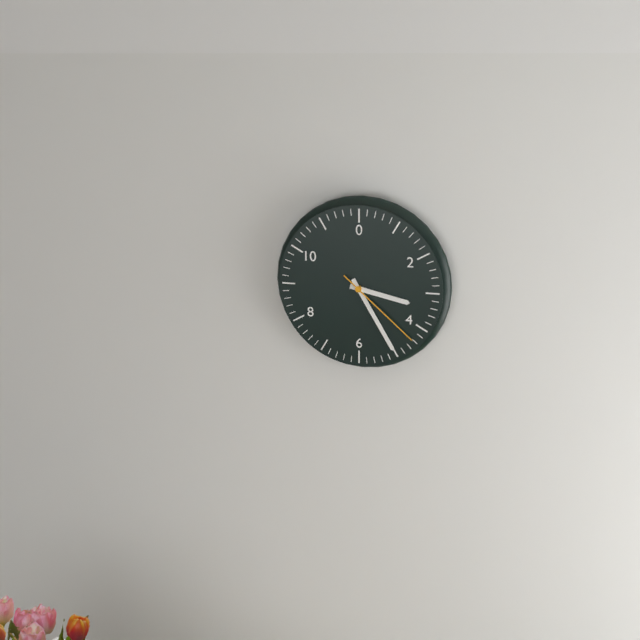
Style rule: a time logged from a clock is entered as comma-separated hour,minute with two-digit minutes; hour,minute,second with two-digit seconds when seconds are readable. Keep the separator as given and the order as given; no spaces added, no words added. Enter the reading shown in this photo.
3,25,22
